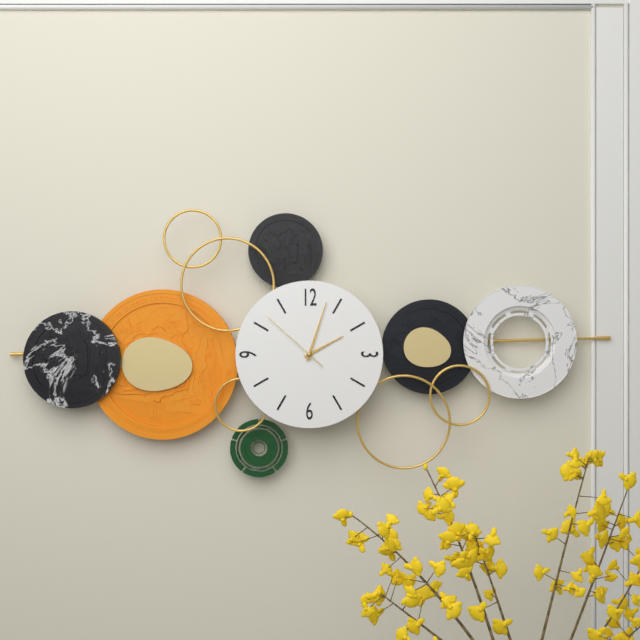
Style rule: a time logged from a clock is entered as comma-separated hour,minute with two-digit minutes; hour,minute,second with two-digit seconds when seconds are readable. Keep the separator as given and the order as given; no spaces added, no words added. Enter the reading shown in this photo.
2,03,52
